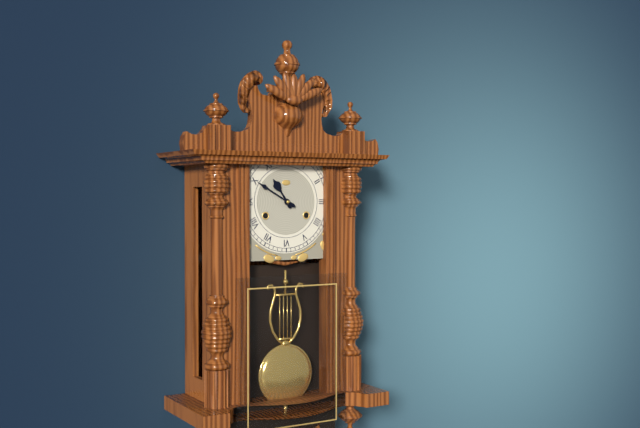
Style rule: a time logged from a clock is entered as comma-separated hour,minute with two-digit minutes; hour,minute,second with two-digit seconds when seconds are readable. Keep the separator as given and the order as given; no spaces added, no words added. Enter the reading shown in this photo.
10,50
